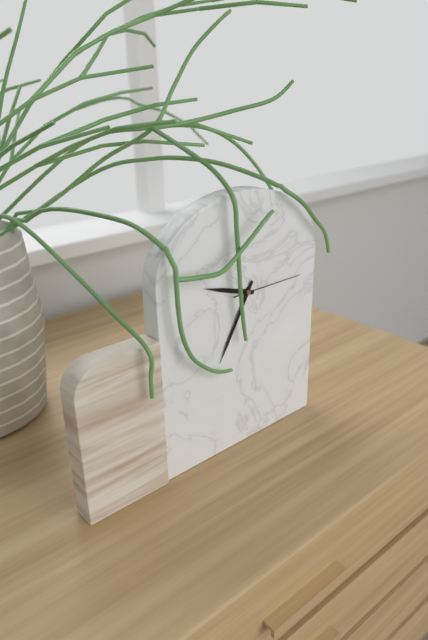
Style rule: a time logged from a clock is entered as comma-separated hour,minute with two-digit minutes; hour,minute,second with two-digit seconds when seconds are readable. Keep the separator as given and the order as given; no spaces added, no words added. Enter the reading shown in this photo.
9,35,15
